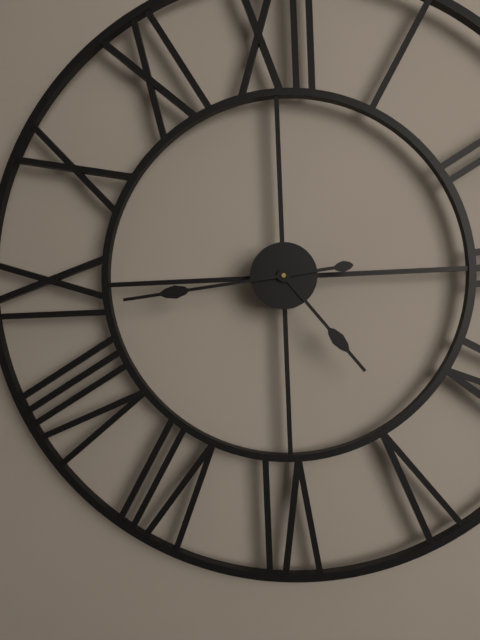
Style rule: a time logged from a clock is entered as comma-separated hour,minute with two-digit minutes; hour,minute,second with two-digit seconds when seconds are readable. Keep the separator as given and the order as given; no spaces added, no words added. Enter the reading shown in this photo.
4,44
